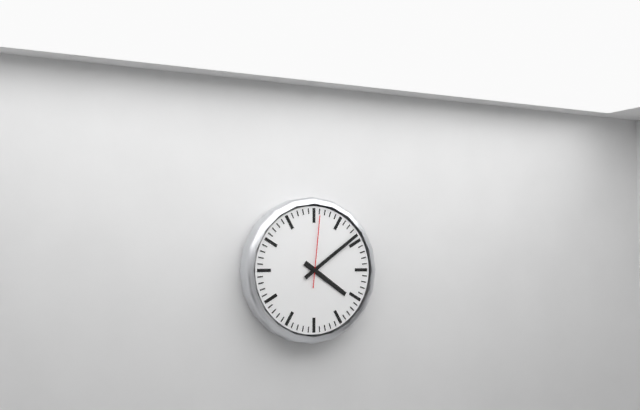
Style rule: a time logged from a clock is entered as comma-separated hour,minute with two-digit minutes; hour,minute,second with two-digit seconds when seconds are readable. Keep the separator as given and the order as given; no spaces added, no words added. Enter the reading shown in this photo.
4,09,01
